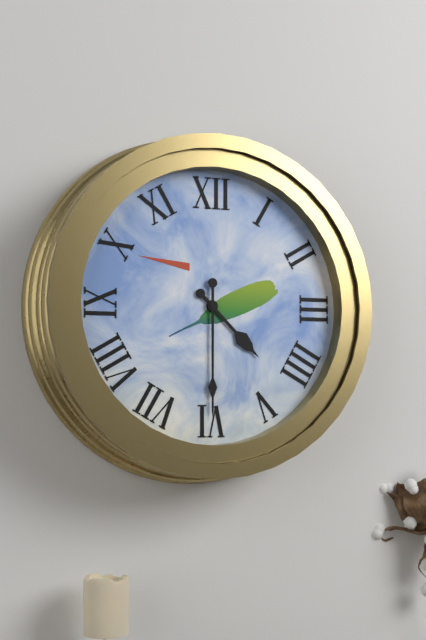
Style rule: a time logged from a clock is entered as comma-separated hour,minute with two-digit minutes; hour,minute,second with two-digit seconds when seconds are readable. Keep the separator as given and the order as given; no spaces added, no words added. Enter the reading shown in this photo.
4,30
